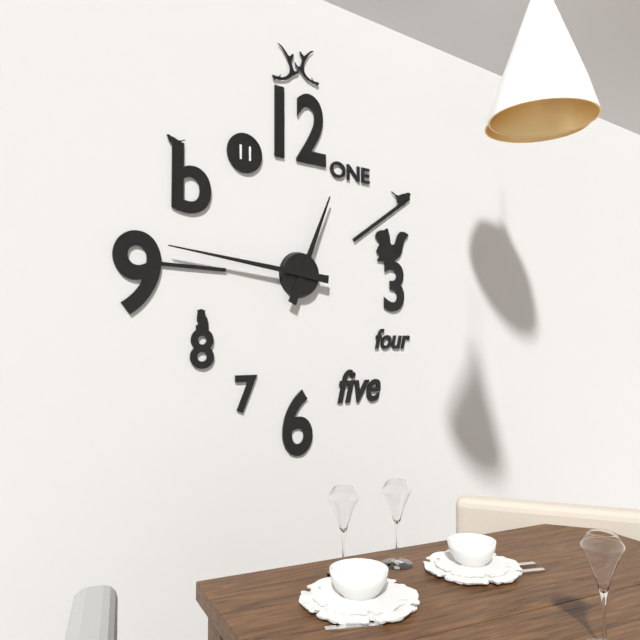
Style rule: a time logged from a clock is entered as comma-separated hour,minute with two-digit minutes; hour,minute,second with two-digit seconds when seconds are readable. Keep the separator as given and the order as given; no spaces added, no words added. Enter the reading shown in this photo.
12,46
